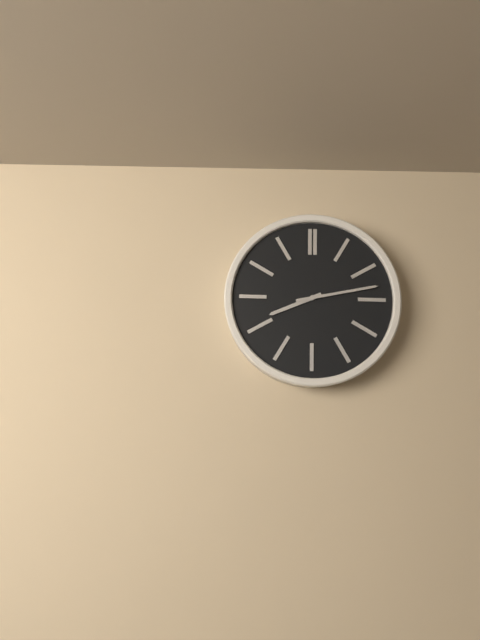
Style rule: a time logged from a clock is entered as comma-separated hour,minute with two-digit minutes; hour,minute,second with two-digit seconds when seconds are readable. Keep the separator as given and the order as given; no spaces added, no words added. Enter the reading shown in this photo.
8,13
